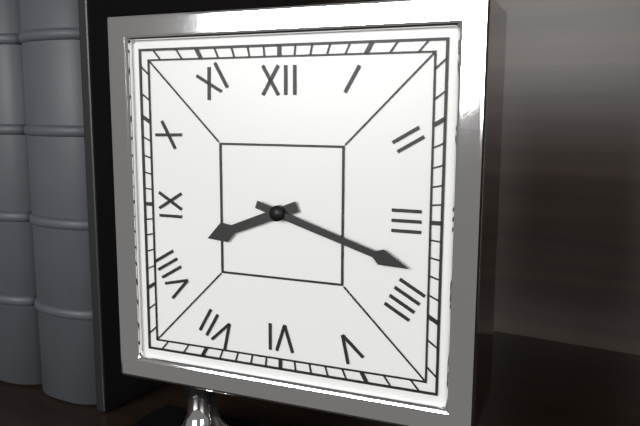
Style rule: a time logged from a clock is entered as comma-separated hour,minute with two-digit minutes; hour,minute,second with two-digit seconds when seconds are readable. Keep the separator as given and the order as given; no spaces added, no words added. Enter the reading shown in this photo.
8,18
